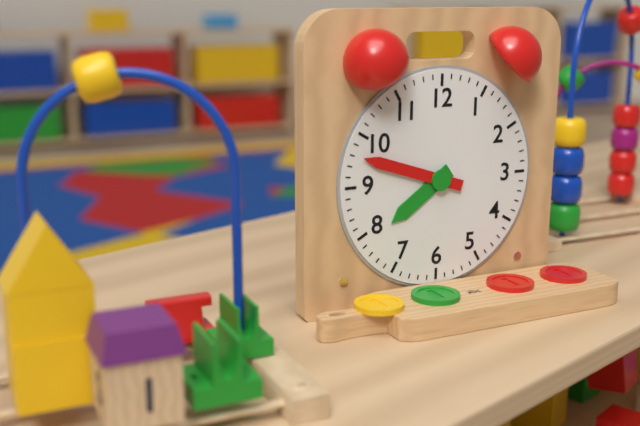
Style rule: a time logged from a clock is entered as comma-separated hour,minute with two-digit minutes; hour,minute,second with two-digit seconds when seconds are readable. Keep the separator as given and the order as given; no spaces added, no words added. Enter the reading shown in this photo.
7,48
